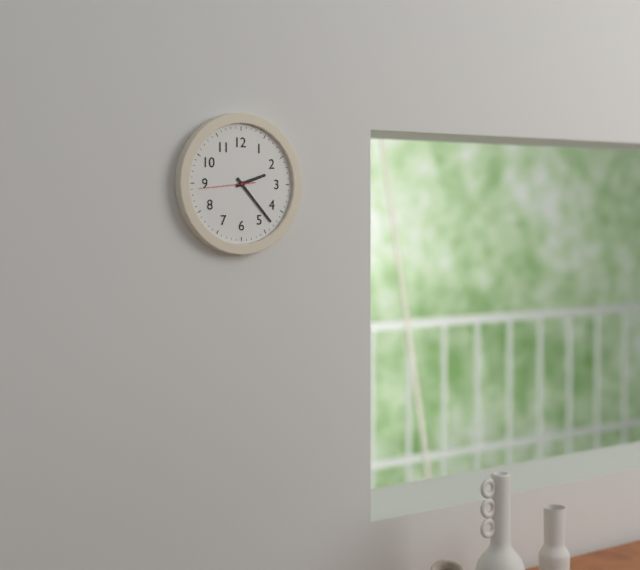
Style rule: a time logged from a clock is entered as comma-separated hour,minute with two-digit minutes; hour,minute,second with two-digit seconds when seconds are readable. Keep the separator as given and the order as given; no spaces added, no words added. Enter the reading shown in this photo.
2,23,44
